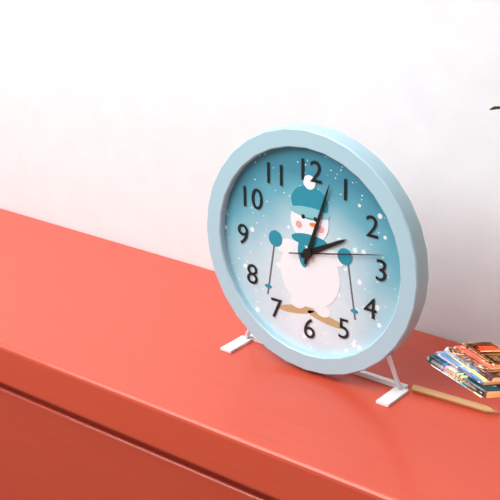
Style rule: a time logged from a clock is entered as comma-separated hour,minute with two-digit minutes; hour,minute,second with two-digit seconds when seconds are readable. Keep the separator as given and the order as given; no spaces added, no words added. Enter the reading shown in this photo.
2,03,13
